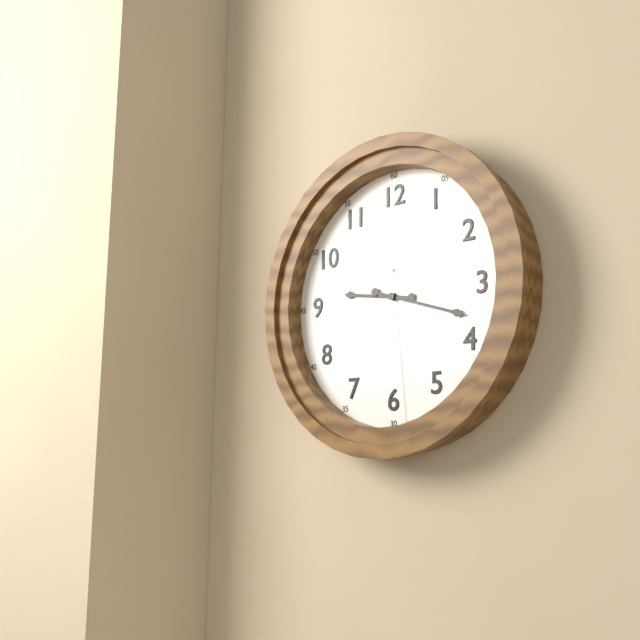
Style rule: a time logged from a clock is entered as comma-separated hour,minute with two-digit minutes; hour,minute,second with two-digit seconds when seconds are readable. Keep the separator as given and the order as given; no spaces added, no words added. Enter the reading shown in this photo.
9,18,29
